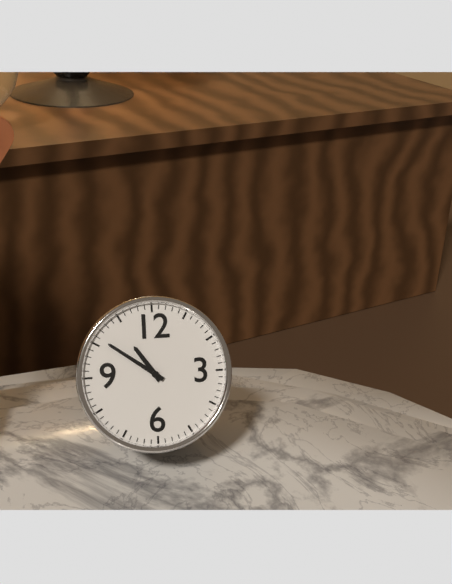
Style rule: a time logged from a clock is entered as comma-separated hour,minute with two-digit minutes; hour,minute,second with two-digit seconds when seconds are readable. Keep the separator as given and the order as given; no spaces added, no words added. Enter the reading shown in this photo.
10,51
